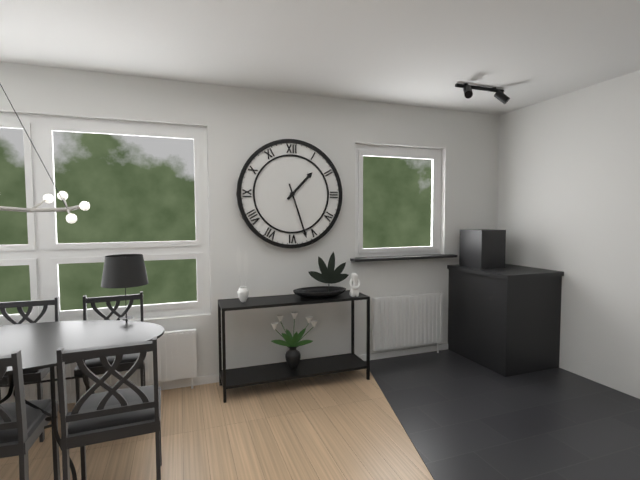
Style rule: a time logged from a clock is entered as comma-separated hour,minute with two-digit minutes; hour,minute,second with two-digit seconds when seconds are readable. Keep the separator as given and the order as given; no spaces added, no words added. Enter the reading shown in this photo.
1,27
